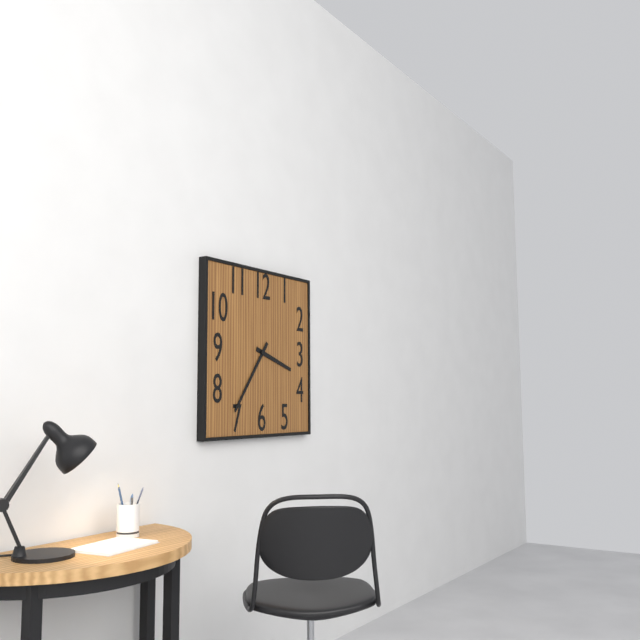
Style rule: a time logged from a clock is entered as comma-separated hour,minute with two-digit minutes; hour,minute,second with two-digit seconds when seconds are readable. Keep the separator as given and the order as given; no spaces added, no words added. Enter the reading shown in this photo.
3,36
